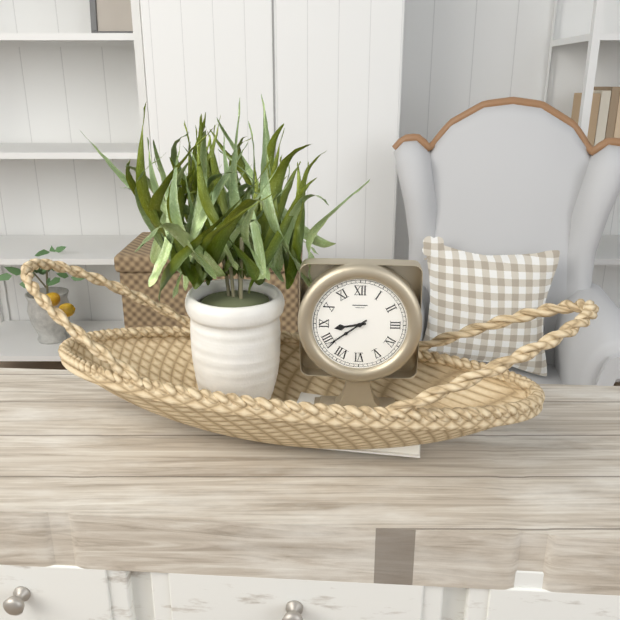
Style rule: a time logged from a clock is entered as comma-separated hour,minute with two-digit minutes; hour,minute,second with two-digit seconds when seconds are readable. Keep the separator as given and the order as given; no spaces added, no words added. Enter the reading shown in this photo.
8,39
